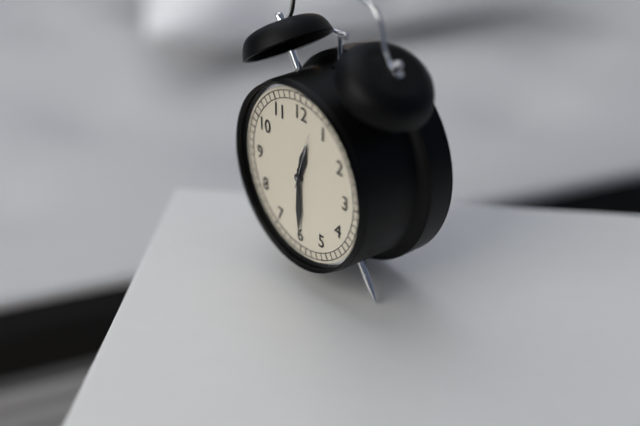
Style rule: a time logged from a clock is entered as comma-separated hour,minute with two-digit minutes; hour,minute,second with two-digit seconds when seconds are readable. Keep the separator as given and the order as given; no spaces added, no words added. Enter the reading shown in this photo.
12,30,03
